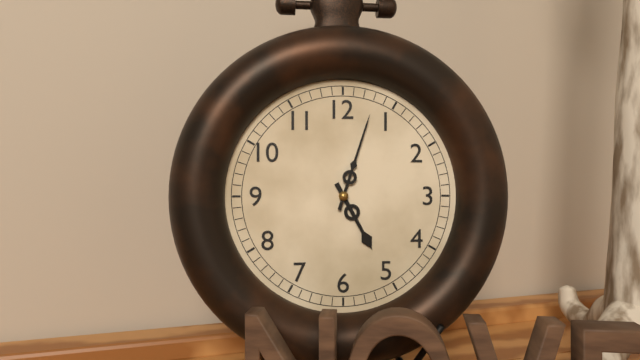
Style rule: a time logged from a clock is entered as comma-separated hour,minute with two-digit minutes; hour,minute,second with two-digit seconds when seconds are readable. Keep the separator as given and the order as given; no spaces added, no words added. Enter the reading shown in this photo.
5,03
